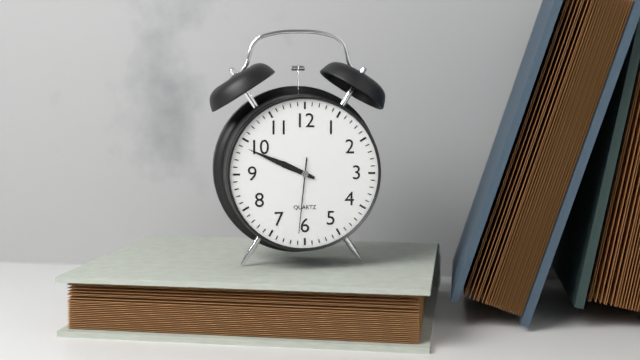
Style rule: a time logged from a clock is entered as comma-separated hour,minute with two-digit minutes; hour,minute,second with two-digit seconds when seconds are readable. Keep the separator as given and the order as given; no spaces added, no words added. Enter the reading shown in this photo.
9,49,31
